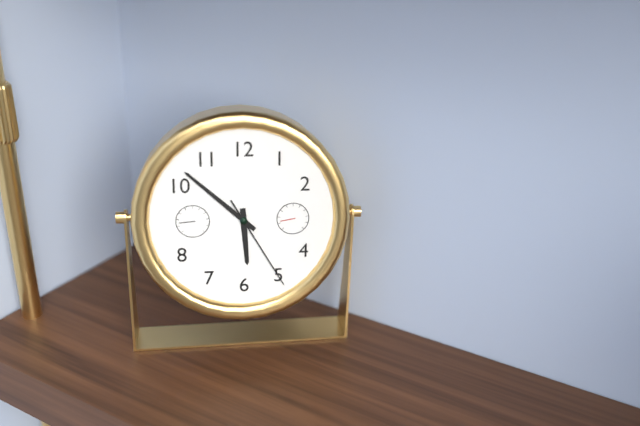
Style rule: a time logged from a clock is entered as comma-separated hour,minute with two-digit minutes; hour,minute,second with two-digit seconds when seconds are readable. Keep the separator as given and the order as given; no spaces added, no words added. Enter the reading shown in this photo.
5,52,25
